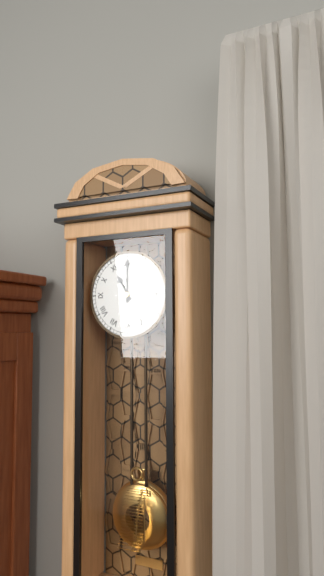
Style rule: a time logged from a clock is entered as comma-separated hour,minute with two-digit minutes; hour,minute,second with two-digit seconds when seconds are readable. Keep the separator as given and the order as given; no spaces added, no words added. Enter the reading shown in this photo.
11,00
